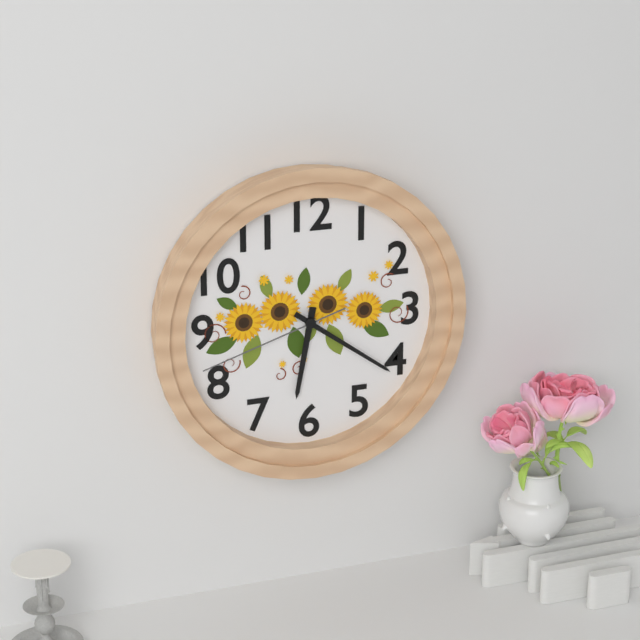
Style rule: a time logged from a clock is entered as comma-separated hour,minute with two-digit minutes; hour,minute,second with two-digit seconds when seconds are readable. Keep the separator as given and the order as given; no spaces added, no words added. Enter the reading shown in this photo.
6,21,42
